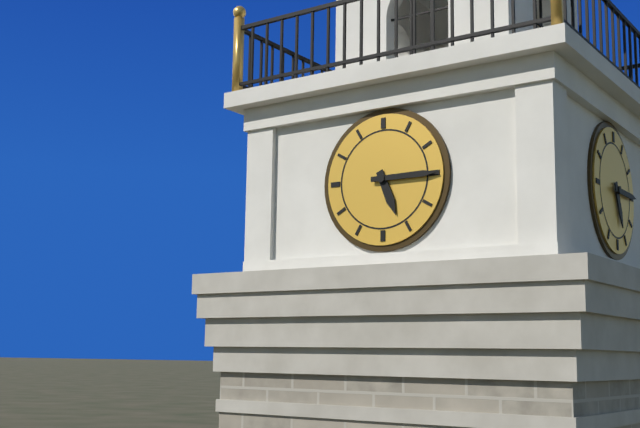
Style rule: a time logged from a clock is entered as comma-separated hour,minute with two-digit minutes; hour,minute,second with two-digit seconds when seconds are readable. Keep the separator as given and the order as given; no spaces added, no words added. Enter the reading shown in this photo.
5,15
